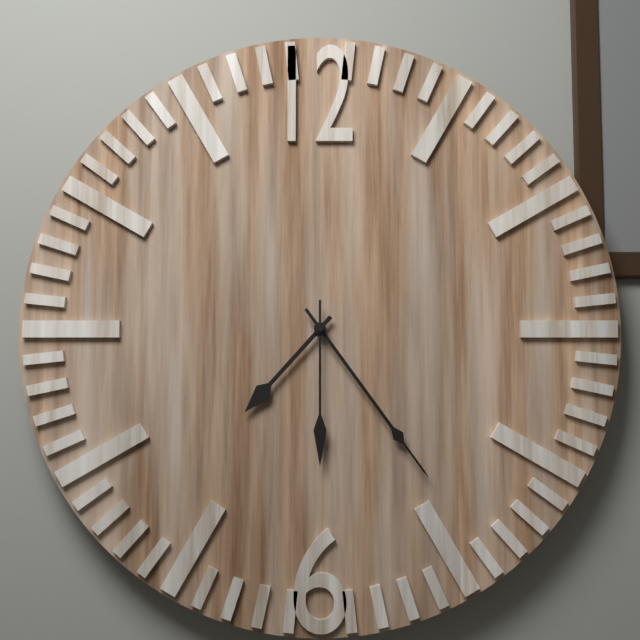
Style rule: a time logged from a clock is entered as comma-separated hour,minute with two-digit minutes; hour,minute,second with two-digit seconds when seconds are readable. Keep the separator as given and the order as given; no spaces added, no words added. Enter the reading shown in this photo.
7,24,30
